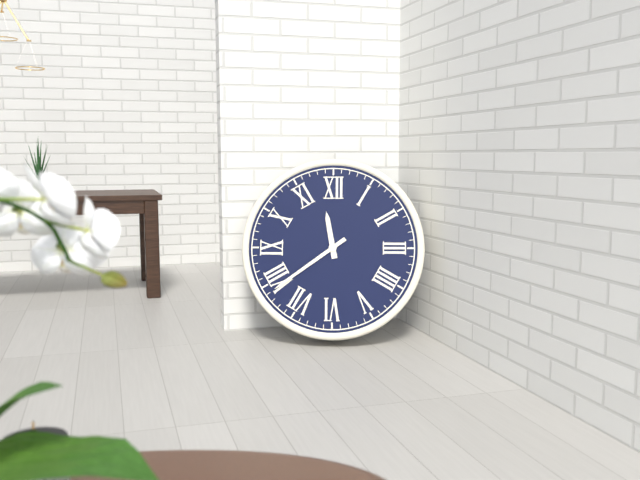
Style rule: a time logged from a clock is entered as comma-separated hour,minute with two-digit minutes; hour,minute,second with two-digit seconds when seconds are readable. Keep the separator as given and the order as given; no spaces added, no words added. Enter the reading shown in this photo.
11,39
